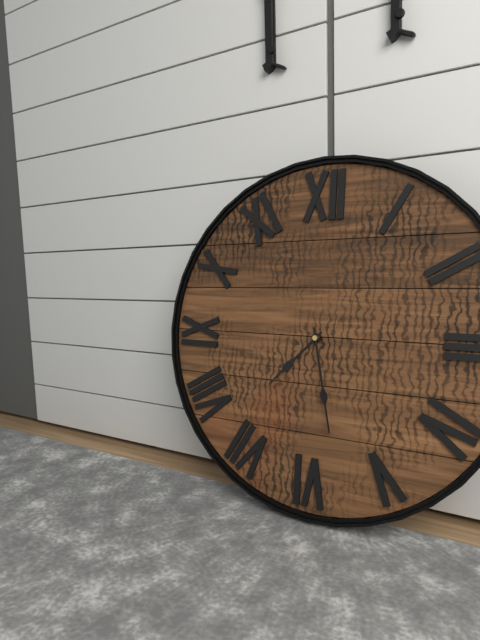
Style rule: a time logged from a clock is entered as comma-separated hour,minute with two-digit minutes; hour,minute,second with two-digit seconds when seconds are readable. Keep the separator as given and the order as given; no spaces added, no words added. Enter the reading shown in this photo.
7,28
